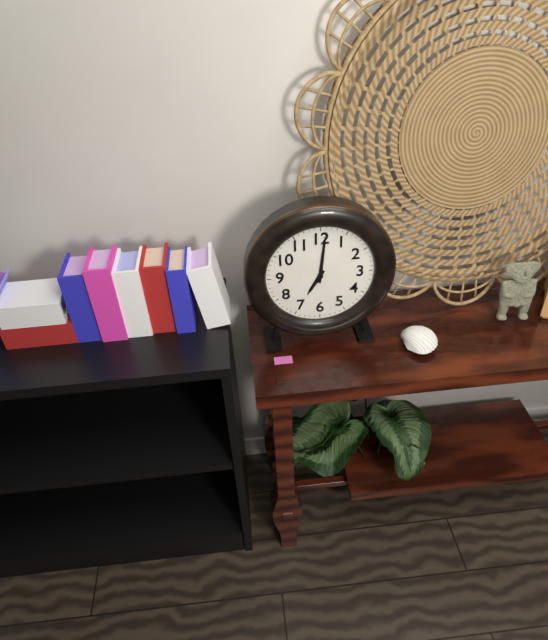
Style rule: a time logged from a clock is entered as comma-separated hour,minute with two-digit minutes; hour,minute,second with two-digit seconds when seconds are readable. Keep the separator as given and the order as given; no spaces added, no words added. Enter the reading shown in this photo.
7,01
